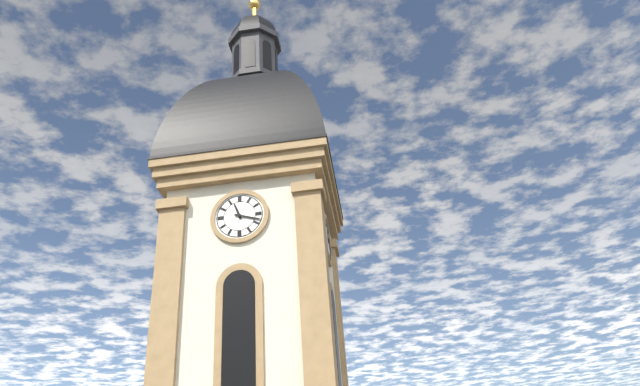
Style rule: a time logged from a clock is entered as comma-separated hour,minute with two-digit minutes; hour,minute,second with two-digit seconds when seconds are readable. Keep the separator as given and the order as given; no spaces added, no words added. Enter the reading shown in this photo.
11,18
